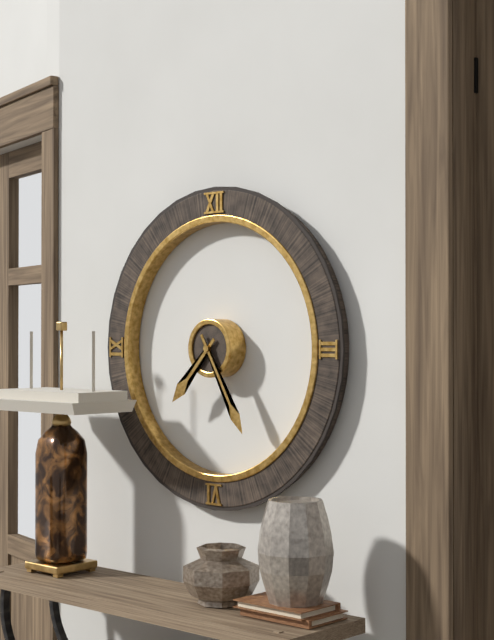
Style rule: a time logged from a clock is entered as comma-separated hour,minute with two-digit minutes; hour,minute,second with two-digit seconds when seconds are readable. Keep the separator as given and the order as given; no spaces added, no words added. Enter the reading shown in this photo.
7,25
